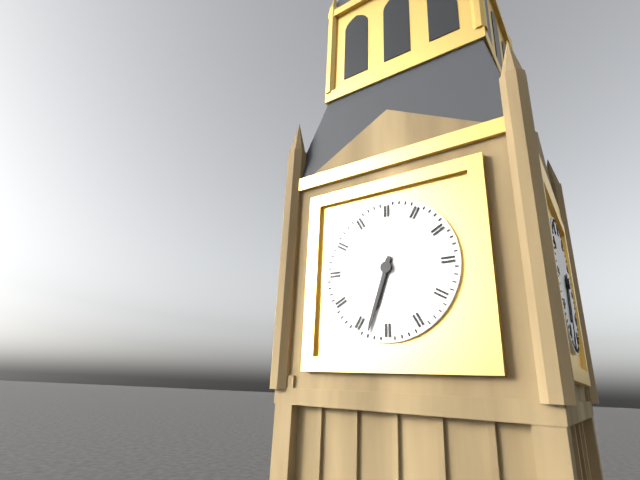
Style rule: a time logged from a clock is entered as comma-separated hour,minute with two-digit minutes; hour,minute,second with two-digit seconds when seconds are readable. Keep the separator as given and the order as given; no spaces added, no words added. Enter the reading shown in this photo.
6,33
